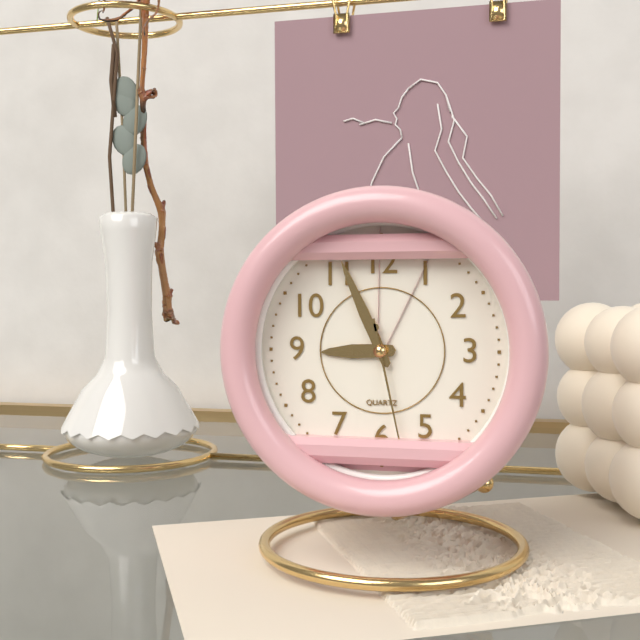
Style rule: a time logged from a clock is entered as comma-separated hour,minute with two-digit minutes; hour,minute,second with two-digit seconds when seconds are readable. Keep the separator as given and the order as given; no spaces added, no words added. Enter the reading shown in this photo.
8,56,28
